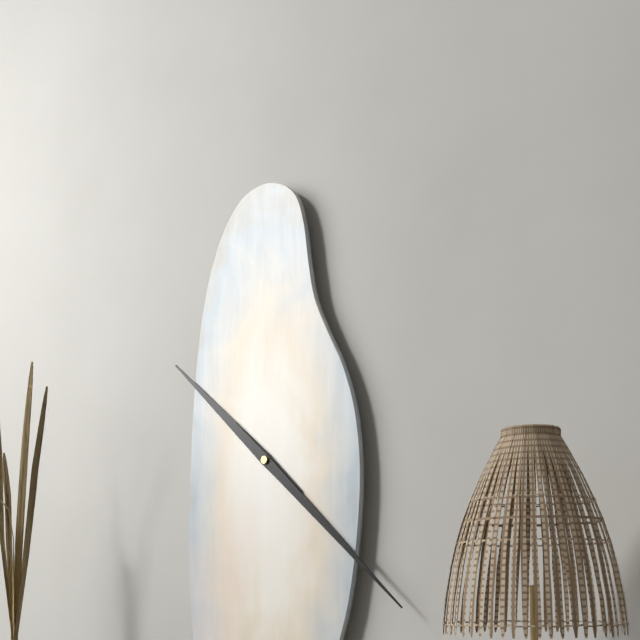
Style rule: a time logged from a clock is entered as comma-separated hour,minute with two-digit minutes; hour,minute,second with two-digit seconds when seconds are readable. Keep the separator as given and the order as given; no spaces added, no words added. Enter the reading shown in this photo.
10,22
